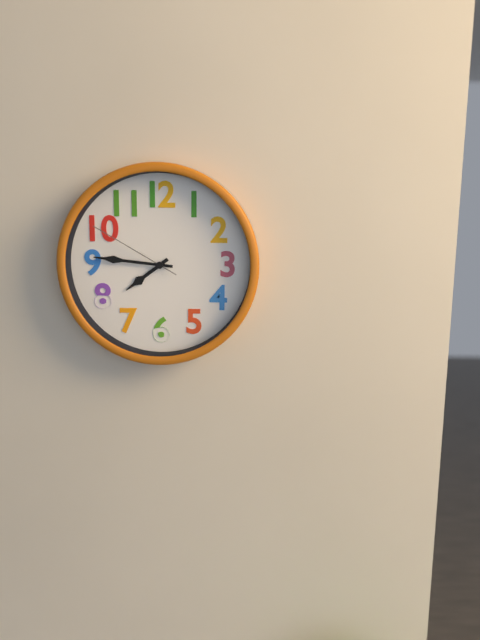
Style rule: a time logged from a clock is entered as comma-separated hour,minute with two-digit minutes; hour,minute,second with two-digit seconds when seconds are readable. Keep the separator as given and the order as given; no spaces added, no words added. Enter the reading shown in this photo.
7,46,50
